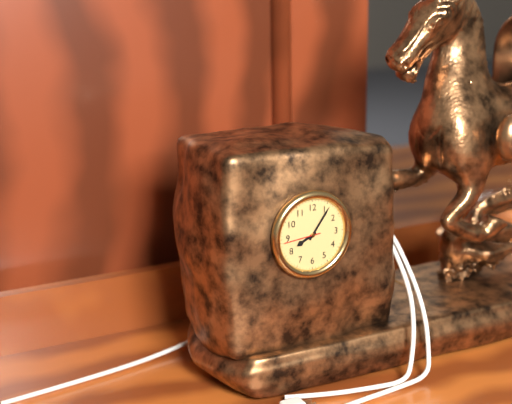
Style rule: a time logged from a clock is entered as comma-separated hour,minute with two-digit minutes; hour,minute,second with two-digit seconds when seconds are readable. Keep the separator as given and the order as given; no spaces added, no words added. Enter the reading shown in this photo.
8,06
